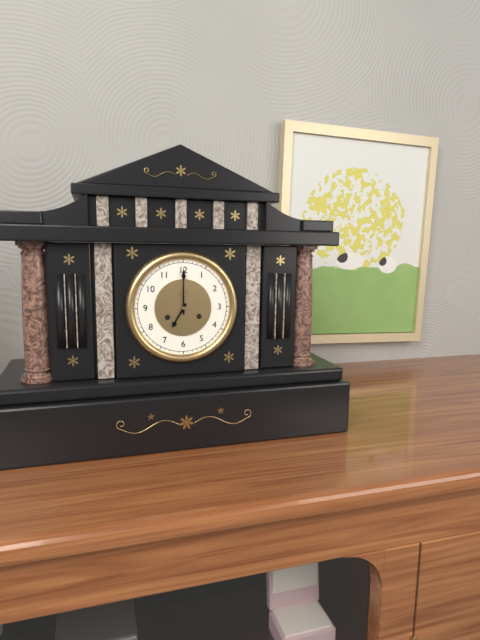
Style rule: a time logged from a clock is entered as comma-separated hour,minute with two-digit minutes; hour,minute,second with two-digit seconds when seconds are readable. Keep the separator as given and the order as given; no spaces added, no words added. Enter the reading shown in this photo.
7,00
